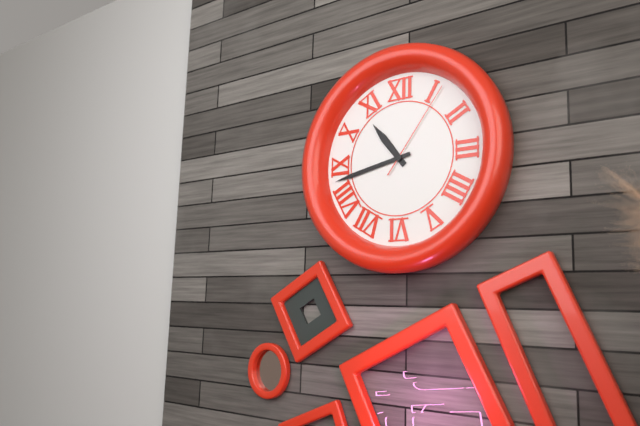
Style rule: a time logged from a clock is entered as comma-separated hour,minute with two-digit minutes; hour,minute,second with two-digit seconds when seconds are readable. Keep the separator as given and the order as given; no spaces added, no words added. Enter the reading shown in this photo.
10,43,06
